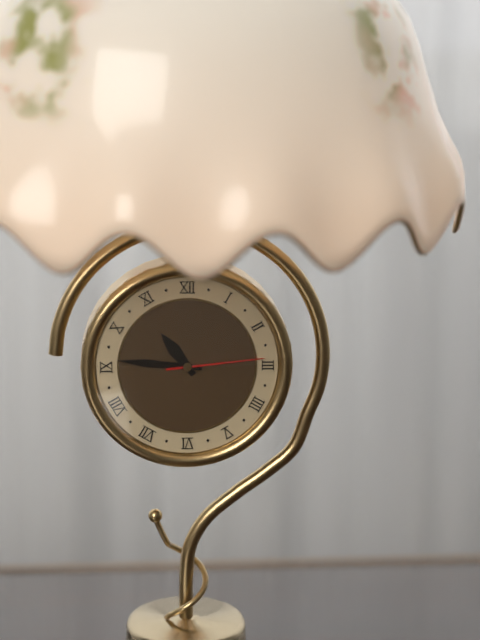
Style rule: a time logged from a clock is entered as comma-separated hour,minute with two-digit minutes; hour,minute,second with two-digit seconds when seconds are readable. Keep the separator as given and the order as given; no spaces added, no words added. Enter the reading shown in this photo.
10,46,14
